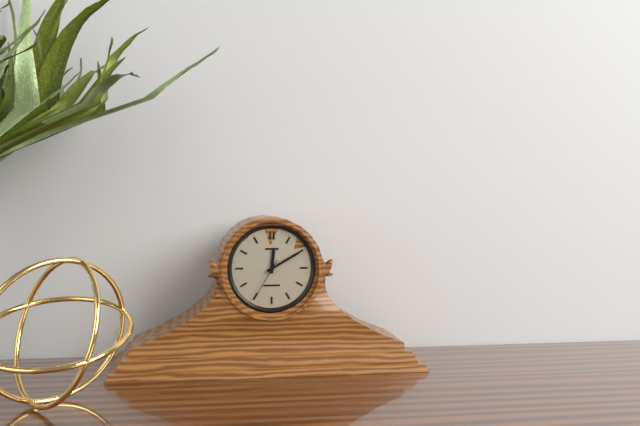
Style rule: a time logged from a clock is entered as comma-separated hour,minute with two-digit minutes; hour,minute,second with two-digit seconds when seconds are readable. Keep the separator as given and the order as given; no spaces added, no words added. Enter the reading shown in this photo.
12,10
